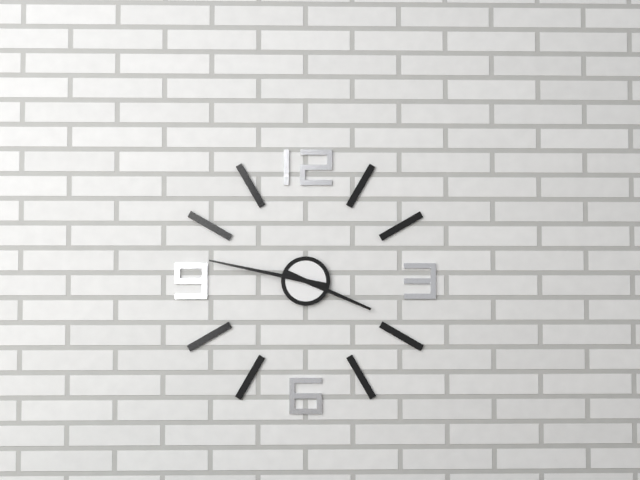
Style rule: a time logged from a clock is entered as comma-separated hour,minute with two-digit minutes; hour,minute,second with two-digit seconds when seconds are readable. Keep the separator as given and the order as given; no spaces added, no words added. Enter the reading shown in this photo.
3,47
